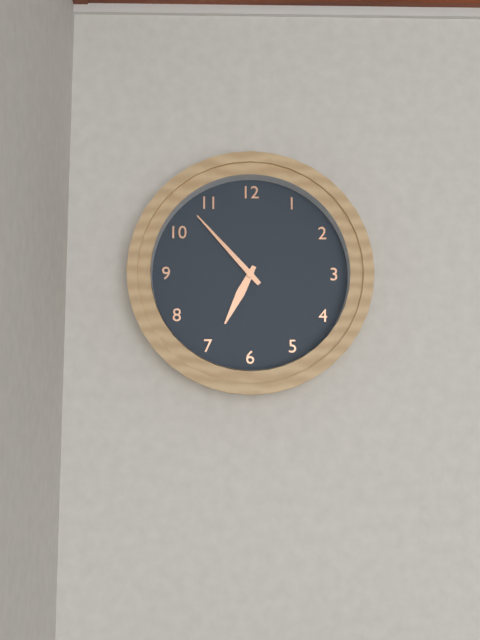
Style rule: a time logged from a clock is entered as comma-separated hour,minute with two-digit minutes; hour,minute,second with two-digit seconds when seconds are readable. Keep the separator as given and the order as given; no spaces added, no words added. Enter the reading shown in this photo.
6,53
